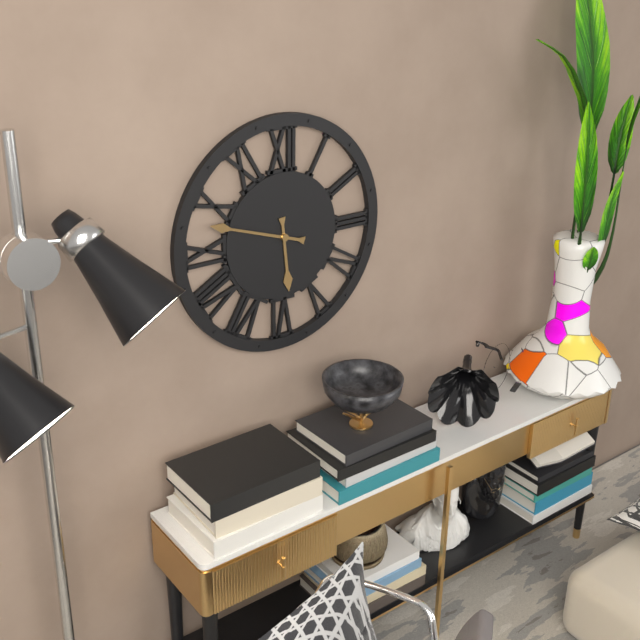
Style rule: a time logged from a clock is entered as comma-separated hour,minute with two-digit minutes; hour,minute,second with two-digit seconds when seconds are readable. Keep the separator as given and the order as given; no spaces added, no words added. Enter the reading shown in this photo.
5,48
